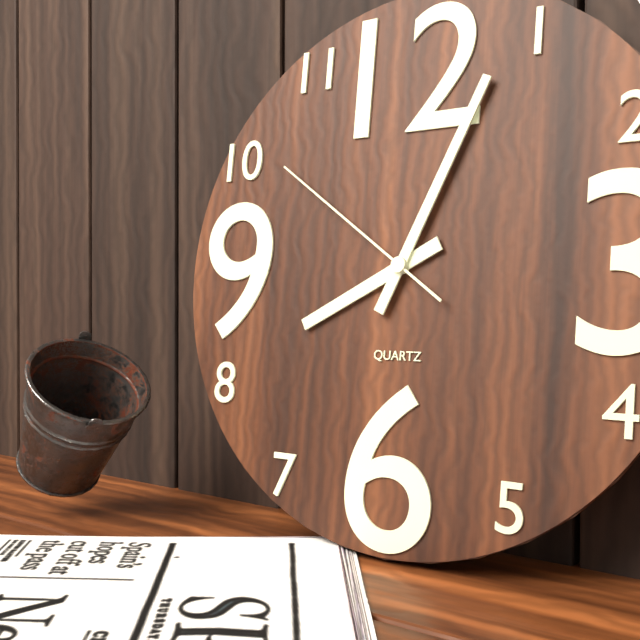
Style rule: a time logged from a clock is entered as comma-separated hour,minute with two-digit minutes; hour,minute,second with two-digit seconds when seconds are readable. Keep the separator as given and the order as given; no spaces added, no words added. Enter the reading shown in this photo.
8,04,51
